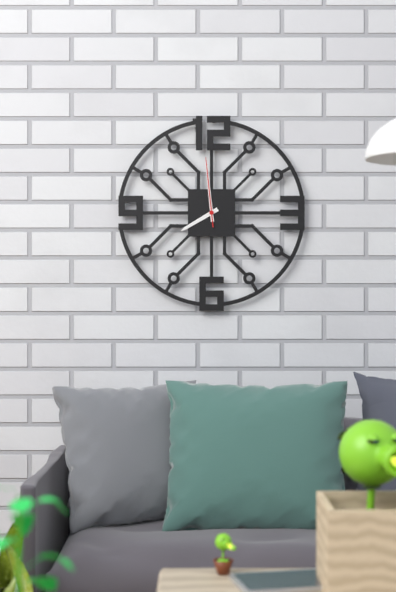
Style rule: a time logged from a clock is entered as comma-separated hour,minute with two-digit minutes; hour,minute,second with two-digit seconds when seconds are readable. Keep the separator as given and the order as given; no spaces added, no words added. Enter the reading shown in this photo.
7,59,59
